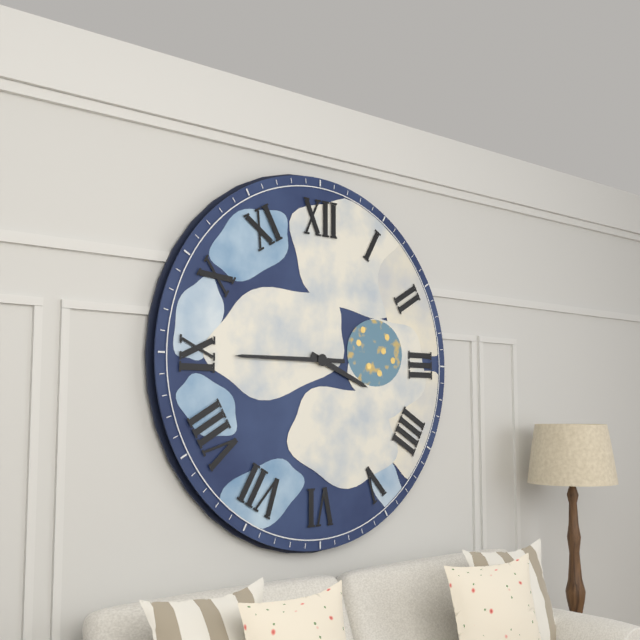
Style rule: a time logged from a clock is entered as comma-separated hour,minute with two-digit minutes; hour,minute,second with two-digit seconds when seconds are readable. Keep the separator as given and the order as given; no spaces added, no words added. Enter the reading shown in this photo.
3,45
